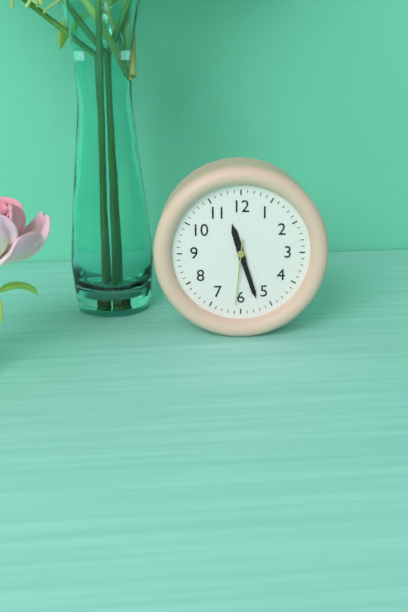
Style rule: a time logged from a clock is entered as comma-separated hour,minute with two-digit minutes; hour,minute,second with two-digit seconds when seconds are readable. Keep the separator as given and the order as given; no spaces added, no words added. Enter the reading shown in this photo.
11,27,31
